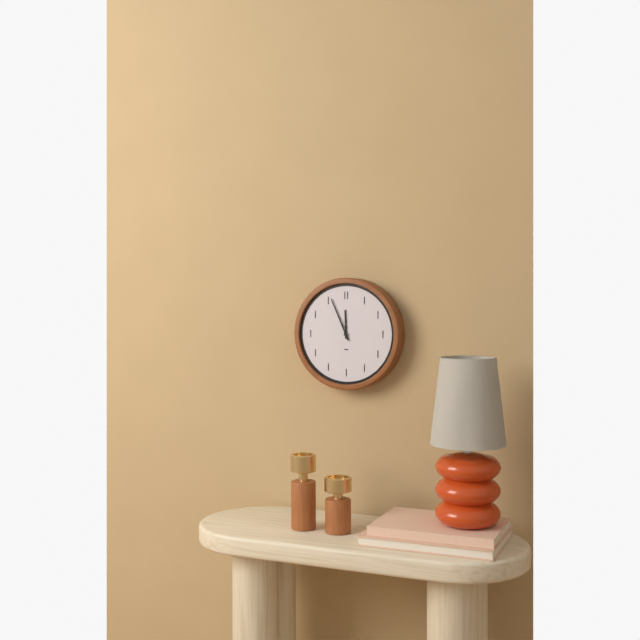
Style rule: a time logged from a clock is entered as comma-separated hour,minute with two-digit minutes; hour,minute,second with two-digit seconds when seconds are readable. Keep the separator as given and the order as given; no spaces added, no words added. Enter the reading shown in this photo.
11,56
